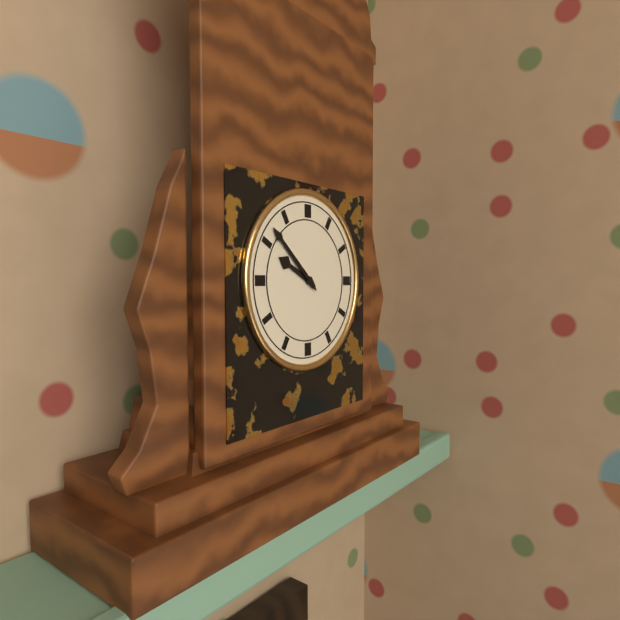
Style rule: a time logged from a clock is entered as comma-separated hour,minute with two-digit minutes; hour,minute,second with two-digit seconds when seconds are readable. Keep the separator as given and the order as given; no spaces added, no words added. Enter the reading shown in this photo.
9,52
